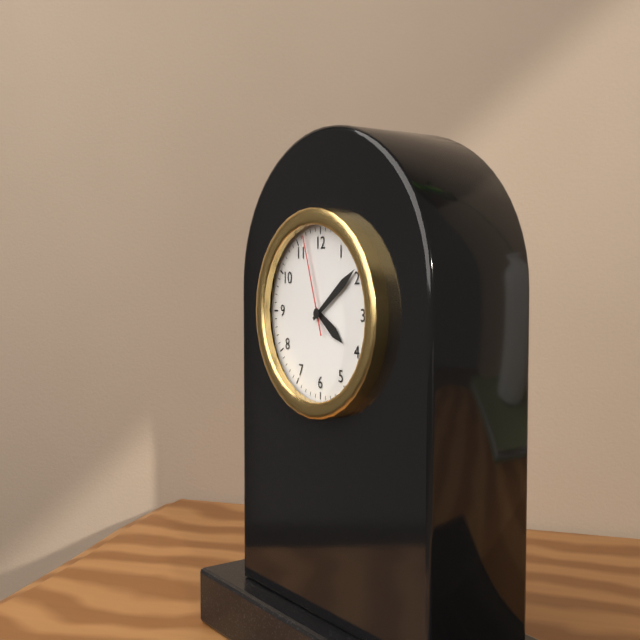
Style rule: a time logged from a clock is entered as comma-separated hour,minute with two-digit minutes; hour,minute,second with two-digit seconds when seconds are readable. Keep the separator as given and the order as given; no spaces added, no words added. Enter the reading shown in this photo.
4,09,57
